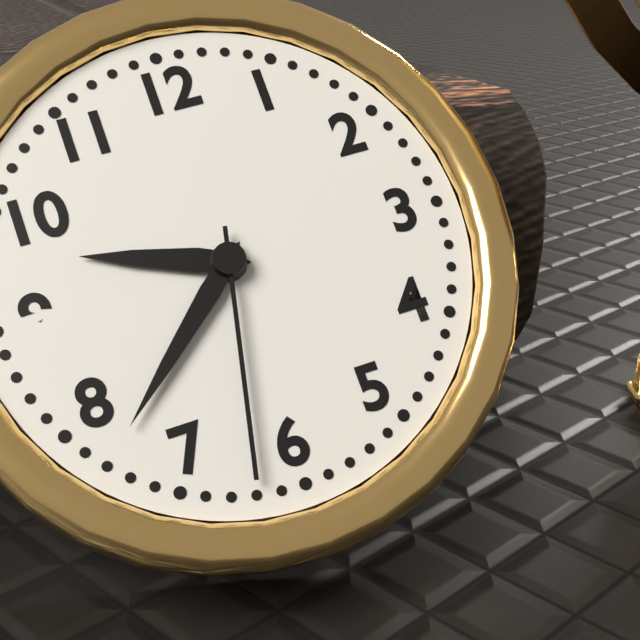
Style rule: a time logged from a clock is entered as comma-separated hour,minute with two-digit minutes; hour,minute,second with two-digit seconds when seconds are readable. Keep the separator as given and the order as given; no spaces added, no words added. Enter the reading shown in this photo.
9,38,32
